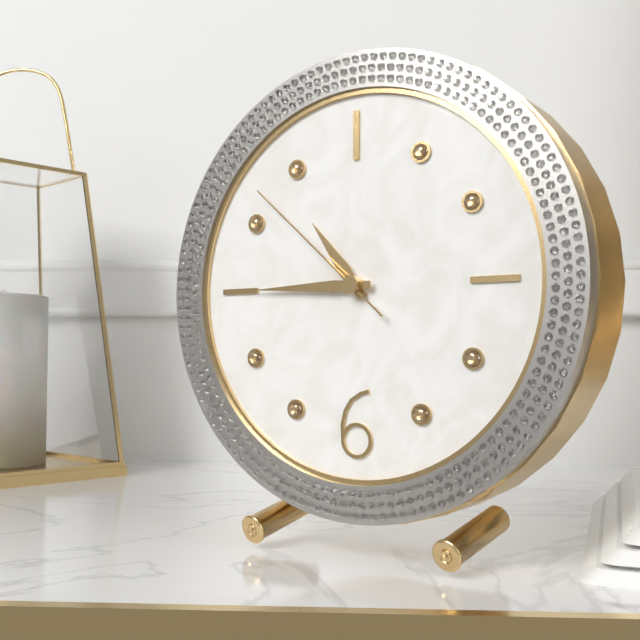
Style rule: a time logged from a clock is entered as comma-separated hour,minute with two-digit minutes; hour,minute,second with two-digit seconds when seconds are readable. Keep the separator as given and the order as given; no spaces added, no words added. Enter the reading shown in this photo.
10,45,52
